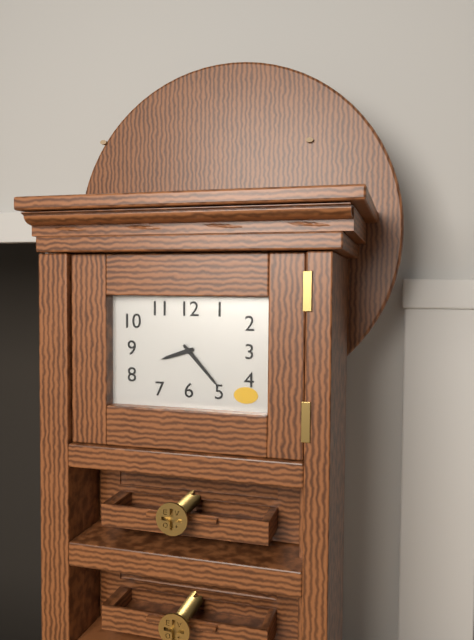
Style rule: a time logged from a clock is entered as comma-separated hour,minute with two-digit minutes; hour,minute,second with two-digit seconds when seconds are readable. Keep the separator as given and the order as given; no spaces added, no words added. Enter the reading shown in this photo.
8,23
